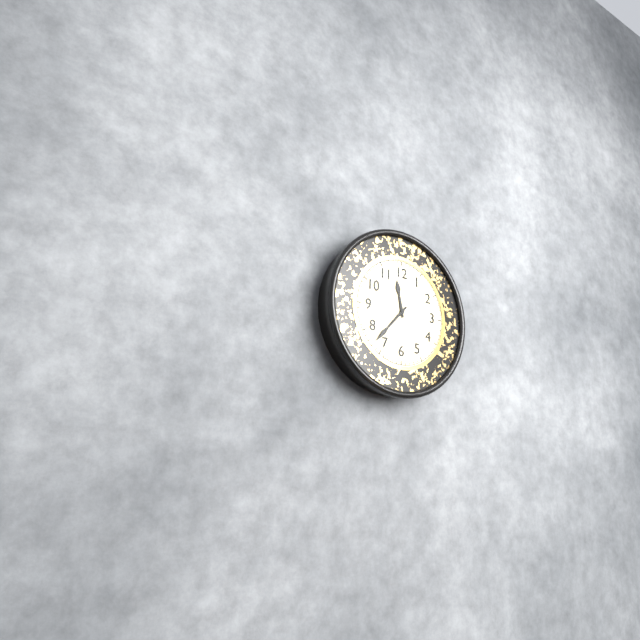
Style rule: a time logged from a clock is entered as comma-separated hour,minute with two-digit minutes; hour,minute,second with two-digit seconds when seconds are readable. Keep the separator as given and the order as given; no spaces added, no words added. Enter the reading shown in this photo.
11,37
